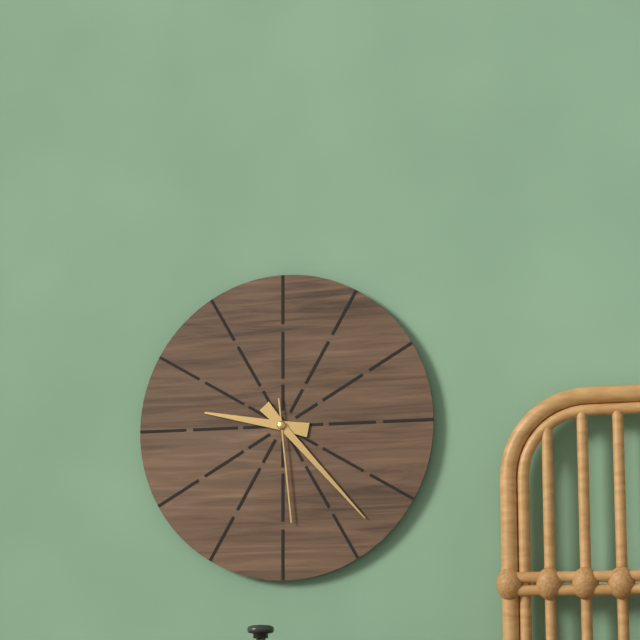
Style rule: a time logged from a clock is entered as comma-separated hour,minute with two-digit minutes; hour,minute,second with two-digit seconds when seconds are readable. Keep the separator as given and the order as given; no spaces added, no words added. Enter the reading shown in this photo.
9,23,29
